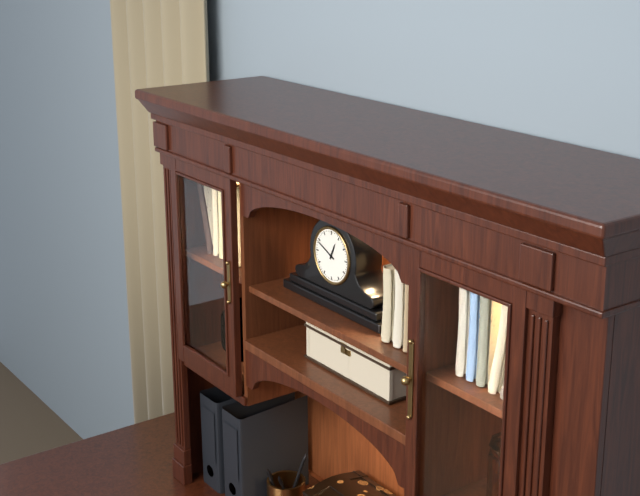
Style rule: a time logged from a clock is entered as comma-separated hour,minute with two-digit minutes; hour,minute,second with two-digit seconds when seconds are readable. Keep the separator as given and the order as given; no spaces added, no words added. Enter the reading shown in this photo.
12,49
